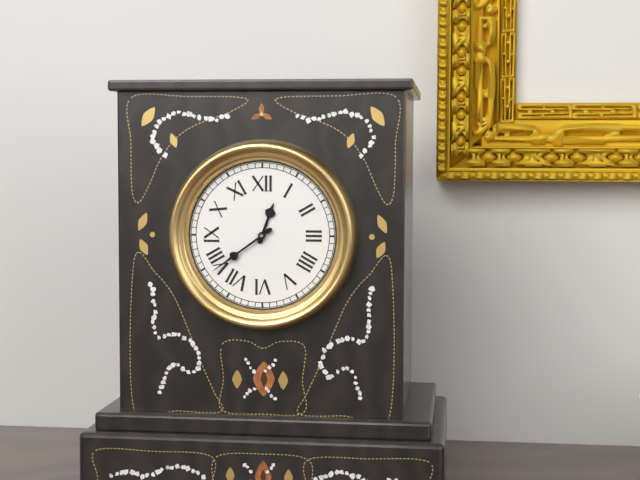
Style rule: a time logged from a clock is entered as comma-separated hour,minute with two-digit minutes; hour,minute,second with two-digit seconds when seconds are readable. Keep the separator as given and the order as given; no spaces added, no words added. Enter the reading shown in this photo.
12,39
